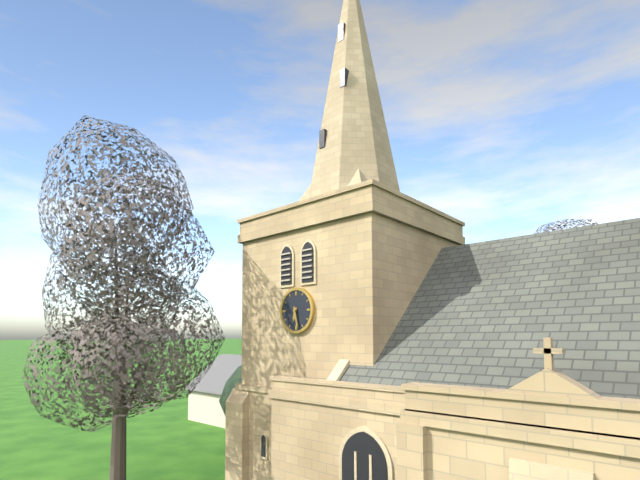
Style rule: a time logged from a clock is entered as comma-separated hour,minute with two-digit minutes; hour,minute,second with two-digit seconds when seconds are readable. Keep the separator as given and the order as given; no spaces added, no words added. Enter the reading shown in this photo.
6,28
